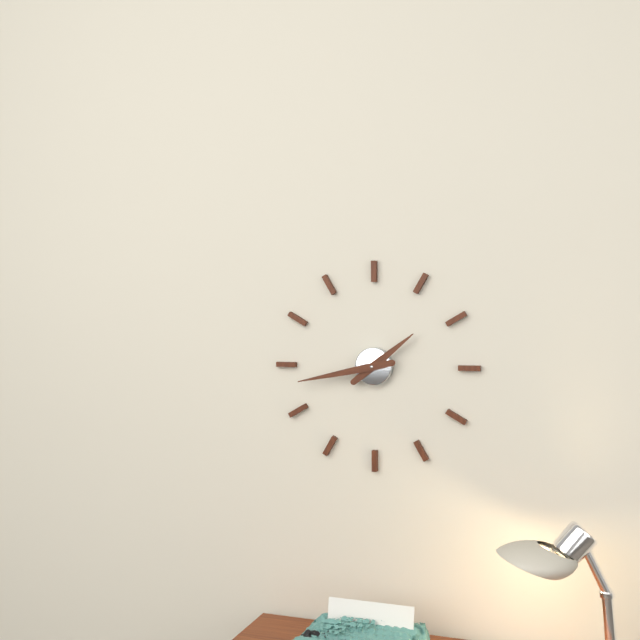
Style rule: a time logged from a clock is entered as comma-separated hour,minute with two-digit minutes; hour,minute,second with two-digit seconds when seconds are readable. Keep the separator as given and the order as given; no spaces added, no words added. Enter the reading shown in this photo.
1,43
